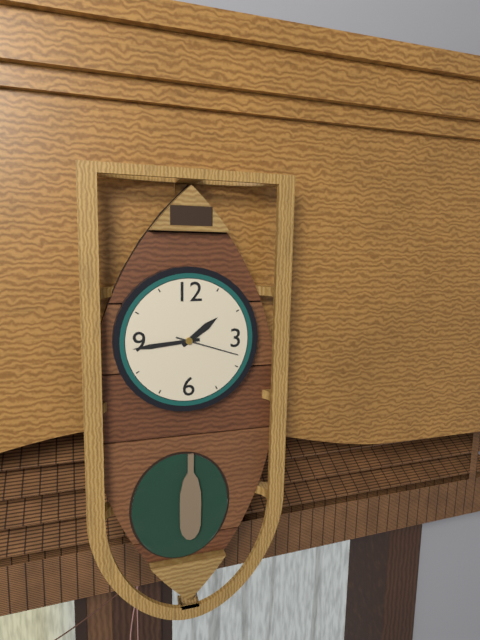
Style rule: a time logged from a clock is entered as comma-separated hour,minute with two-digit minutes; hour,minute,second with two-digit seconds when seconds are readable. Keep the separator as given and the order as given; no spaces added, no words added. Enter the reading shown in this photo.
1,44,18
